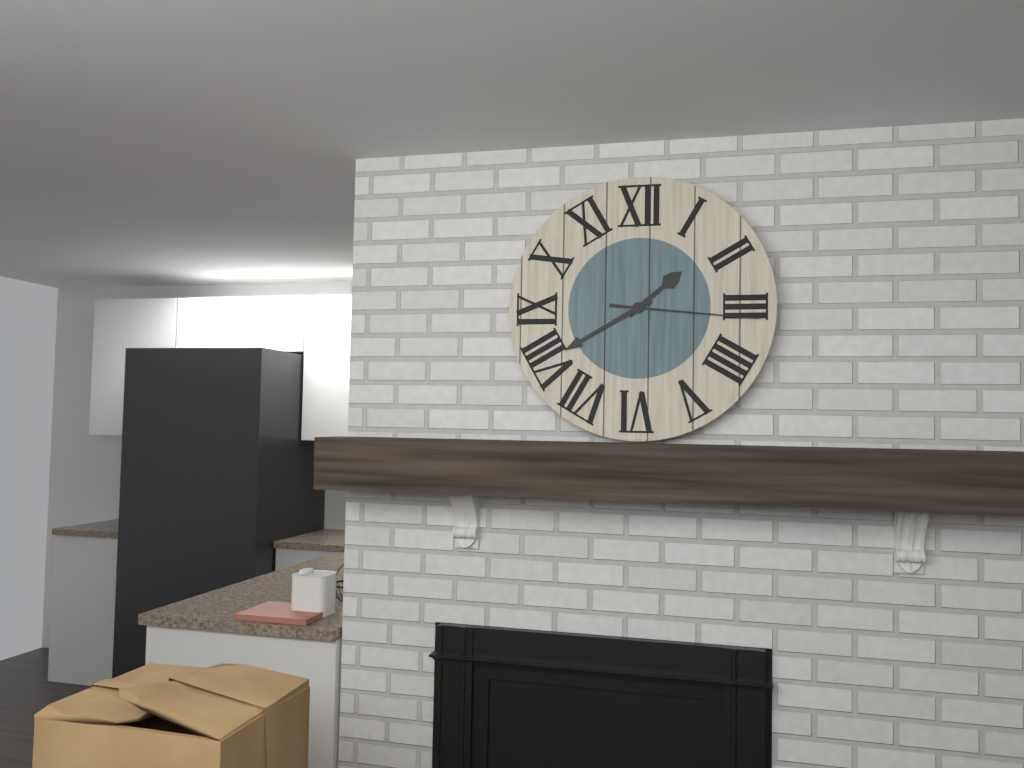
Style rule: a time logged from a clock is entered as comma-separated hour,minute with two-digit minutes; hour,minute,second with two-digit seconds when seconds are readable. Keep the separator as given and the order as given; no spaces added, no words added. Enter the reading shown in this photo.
1,40,16
